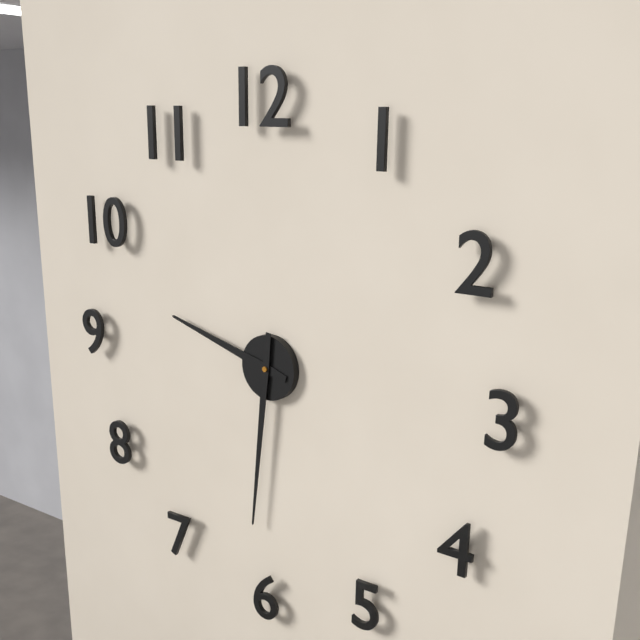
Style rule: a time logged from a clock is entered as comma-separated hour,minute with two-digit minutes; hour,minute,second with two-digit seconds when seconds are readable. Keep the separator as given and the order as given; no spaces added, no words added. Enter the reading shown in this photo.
9,31
